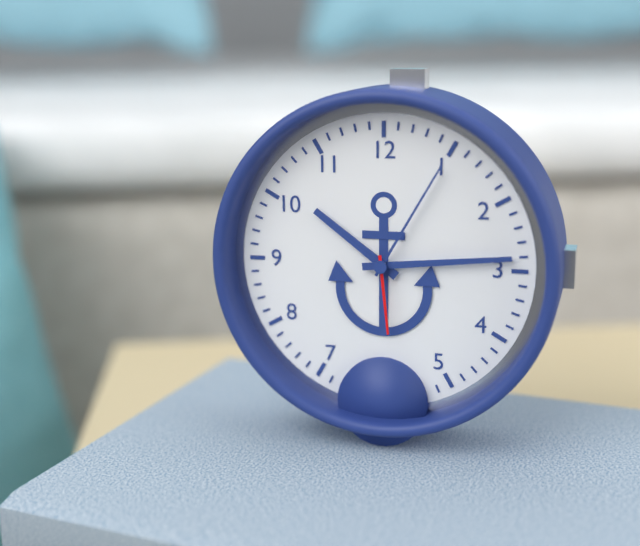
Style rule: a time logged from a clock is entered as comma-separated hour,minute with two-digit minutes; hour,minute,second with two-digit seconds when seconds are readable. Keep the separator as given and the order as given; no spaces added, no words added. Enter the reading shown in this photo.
10,14,29
